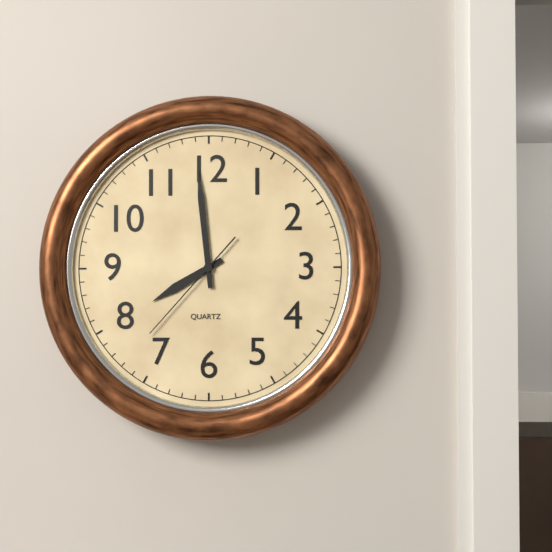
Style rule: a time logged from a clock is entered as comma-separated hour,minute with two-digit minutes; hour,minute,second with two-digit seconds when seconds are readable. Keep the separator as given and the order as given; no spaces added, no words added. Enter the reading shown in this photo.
7,59,37
